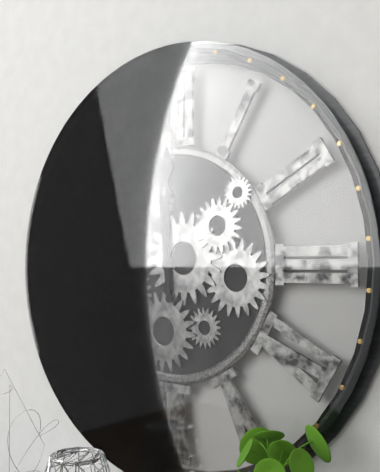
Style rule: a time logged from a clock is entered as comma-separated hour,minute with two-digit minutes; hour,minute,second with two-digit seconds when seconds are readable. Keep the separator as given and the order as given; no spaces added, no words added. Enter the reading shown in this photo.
11,59
